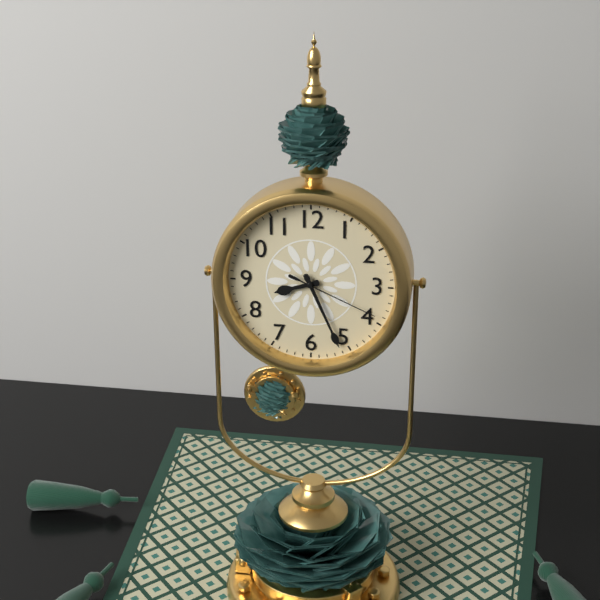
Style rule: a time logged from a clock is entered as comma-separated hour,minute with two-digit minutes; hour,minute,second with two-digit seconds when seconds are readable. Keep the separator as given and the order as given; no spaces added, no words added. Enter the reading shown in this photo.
8,26,19
